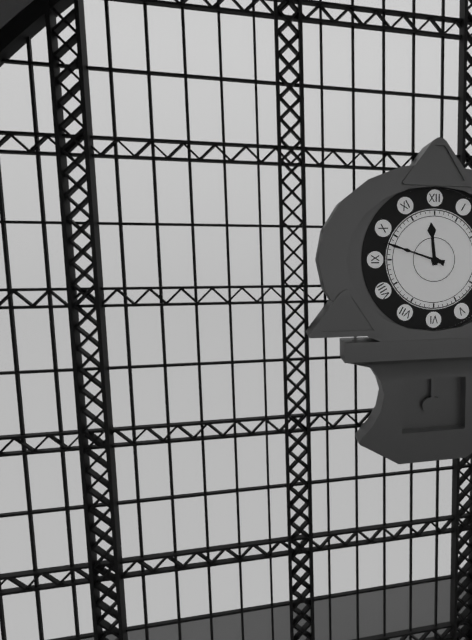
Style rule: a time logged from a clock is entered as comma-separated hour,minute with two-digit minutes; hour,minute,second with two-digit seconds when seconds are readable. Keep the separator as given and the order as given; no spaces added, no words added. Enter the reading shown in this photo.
11,48
